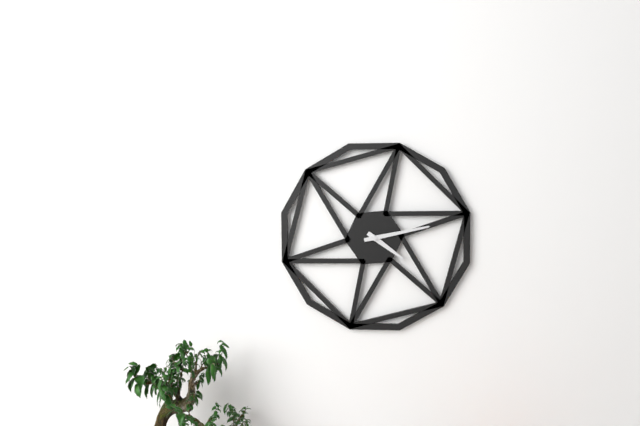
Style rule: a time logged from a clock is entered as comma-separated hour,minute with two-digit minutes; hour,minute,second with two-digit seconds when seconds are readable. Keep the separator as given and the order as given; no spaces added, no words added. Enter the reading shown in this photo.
4,13
